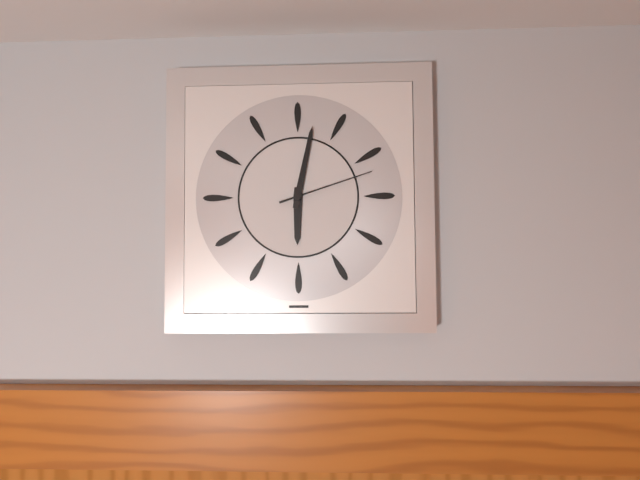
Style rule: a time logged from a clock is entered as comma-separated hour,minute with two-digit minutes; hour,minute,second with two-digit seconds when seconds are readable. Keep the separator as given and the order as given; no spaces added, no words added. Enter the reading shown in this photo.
6,02,12
